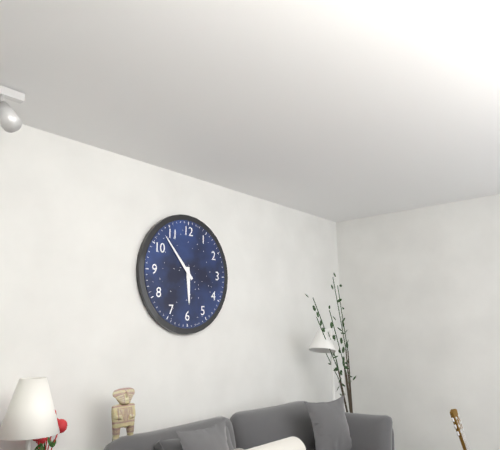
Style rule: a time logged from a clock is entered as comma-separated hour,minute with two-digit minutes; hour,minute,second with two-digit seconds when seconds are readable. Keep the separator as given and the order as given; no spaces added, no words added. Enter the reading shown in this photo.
5,53
